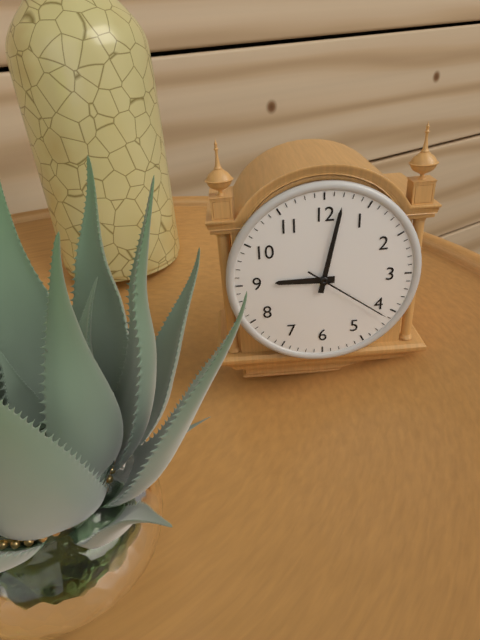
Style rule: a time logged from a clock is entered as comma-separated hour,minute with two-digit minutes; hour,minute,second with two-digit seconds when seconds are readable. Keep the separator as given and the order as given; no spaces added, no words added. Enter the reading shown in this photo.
9,02,21
